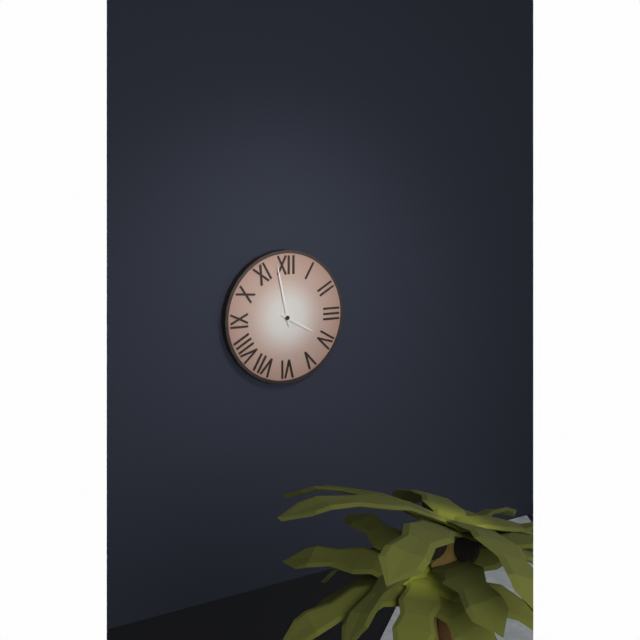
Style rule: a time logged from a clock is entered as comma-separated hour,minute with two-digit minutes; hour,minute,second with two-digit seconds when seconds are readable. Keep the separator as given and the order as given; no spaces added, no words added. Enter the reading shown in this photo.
3,58
